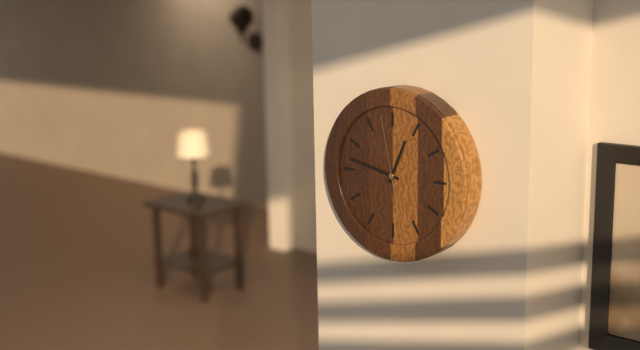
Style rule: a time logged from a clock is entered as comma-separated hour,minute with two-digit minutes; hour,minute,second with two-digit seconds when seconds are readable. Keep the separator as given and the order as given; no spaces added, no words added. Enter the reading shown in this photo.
12,47,58
